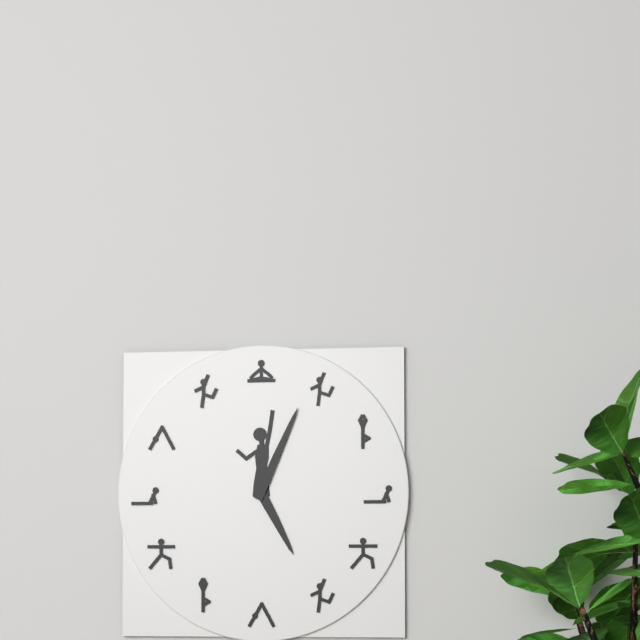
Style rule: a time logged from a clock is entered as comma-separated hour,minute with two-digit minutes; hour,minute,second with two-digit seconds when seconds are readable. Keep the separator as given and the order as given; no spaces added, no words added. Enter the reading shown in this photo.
5,04
